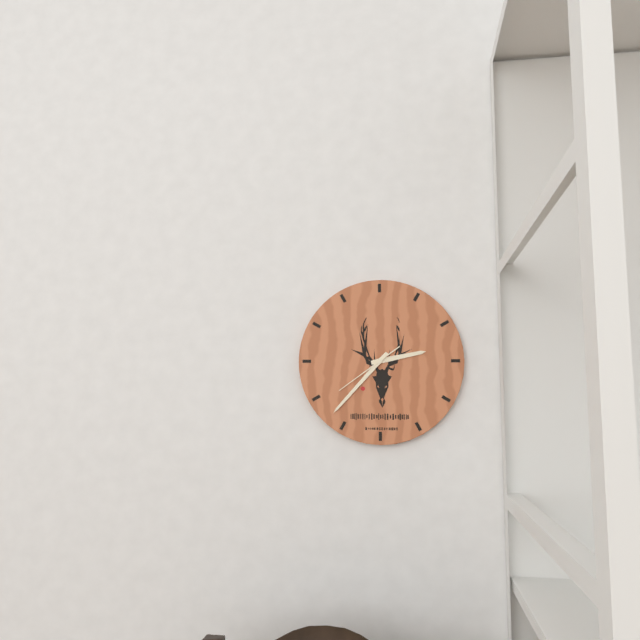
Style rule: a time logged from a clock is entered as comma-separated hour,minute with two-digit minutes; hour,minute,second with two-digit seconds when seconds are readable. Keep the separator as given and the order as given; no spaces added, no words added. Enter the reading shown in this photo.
2,37,39
